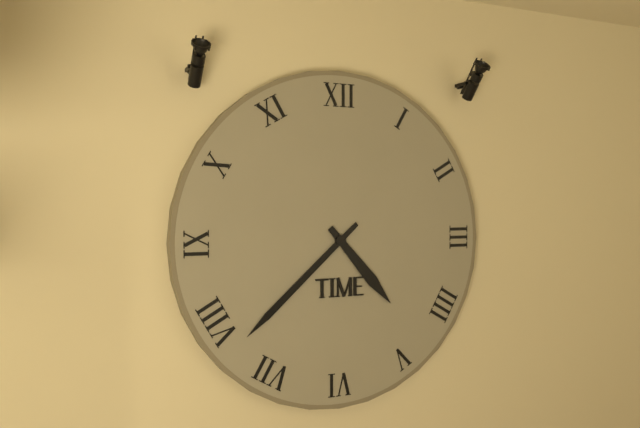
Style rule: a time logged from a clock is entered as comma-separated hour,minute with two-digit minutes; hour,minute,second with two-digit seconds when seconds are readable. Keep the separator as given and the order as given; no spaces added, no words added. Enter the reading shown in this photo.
4,38
